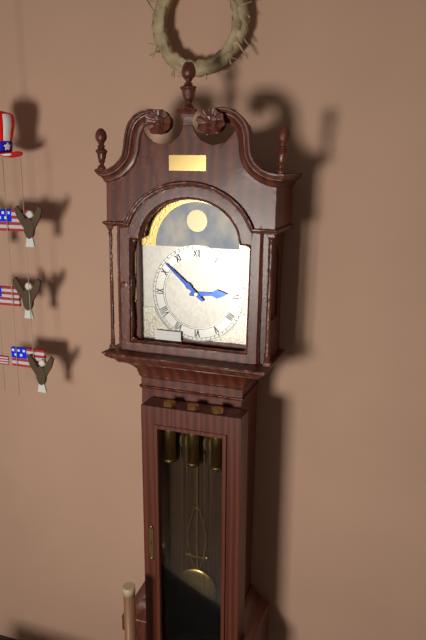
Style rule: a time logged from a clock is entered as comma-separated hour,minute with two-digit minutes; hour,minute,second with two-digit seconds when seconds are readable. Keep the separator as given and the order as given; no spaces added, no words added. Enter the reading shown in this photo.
2,52
